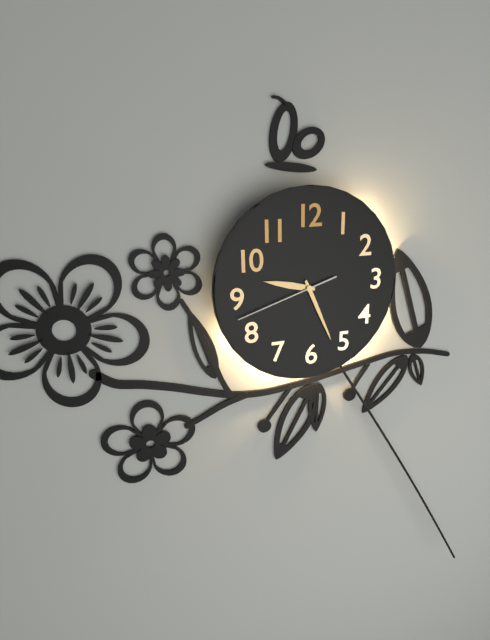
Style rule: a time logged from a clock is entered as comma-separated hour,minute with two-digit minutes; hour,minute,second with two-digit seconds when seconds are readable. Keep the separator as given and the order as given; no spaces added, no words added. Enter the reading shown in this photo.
9,26,42
